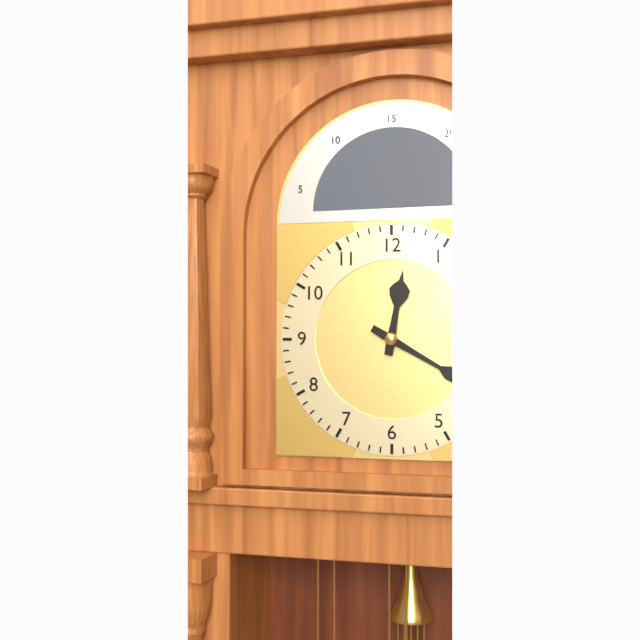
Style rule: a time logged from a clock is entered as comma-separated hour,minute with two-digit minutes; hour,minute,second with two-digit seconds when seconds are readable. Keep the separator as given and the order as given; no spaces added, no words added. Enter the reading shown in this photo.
12,20
